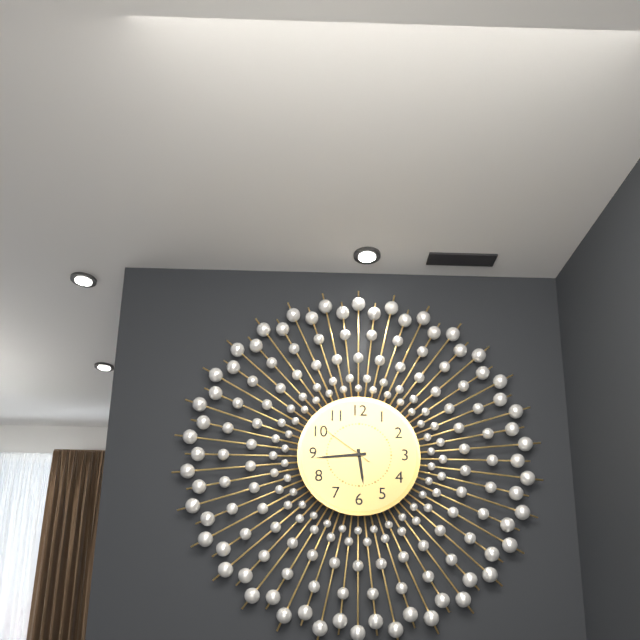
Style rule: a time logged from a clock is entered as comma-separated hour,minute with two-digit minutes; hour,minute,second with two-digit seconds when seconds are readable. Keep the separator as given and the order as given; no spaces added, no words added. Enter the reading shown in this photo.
5,44,51
